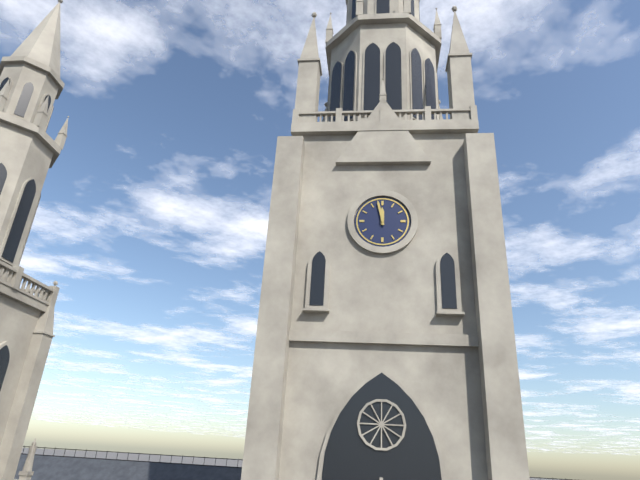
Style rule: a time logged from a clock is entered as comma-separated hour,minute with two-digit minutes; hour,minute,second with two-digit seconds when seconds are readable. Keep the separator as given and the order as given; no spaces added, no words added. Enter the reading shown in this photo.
11,58
